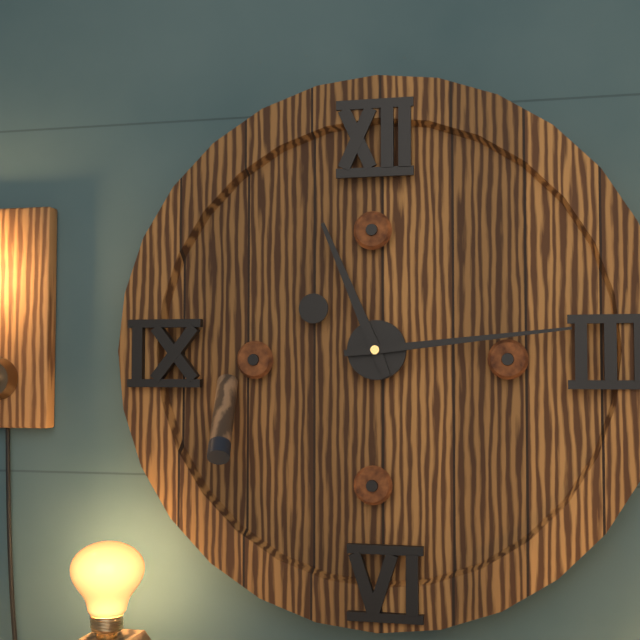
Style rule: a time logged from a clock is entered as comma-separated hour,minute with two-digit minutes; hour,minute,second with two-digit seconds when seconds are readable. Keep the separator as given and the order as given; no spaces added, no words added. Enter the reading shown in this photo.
11,14
